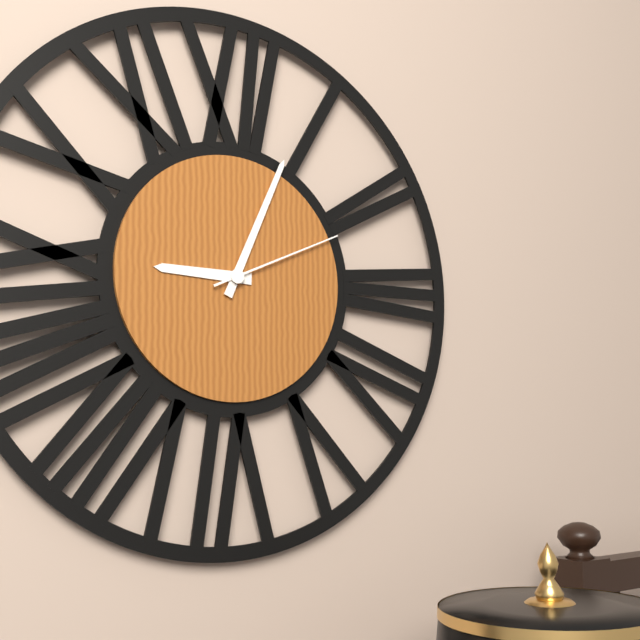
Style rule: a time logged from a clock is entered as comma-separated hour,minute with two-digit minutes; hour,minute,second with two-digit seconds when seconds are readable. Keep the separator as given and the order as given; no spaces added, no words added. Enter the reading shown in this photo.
9,04,11
